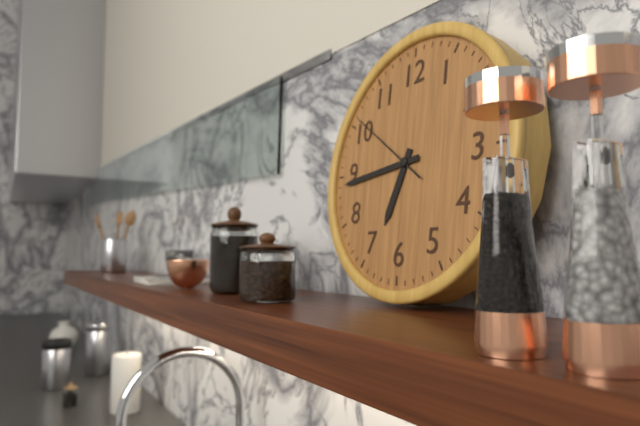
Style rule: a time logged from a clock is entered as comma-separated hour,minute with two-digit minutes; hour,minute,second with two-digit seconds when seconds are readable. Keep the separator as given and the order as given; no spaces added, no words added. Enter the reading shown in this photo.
6,44,51
